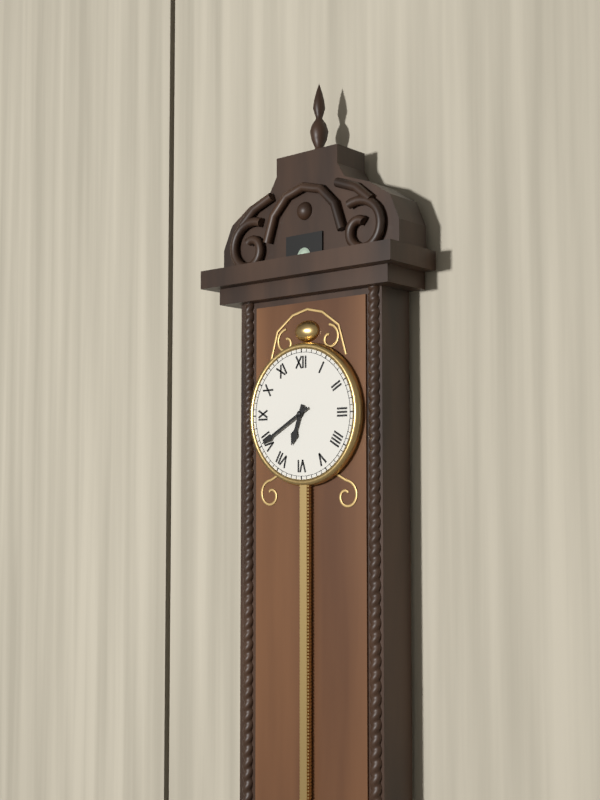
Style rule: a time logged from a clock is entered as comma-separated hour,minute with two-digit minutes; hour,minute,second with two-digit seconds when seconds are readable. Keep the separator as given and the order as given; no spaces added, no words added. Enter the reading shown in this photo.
6,40
